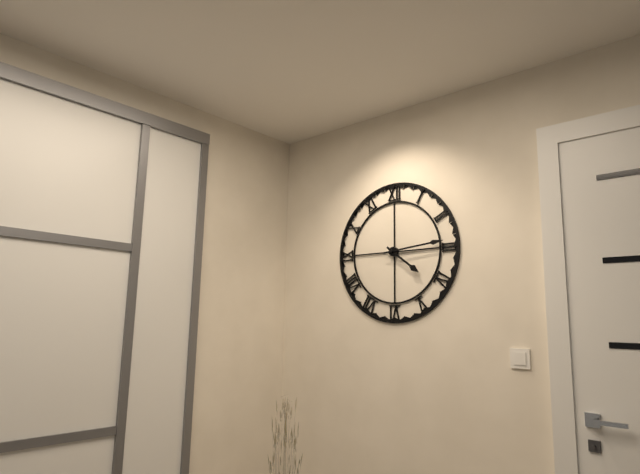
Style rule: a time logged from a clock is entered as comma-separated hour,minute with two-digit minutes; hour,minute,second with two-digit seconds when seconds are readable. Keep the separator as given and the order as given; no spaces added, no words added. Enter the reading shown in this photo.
4,14
